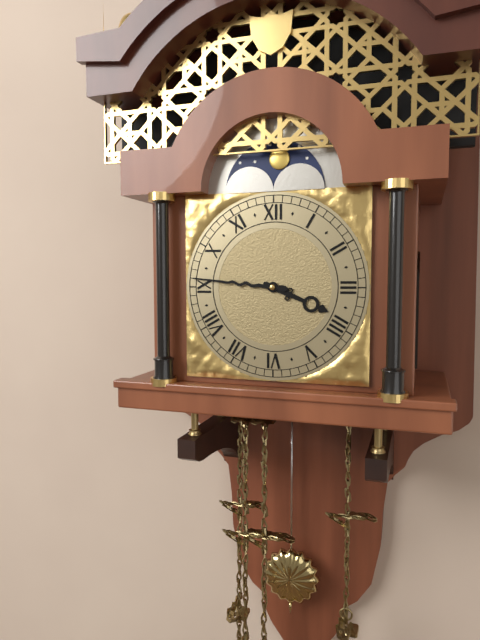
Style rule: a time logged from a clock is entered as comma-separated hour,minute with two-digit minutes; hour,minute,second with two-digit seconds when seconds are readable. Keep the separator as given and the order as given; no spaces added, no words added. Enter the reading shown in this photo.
3,46
